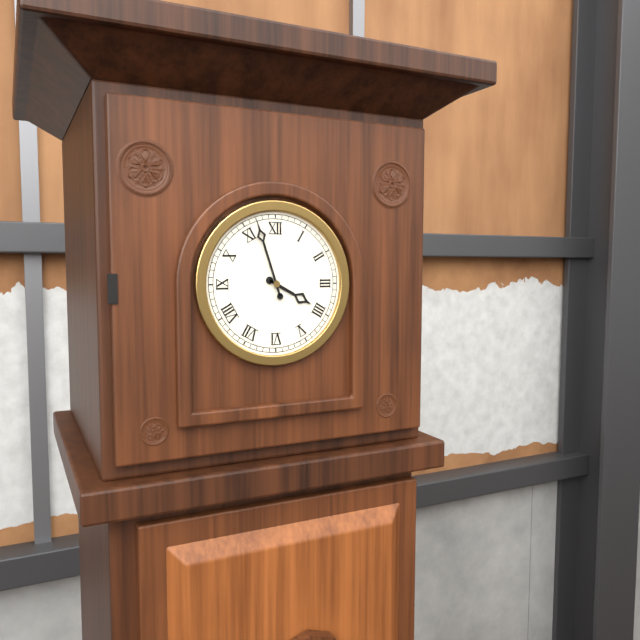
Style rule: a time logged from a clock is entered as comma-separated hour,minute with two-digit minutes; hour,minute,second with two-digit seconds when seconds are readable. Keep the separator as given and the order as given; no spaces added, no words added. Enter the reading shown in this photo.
3,57
